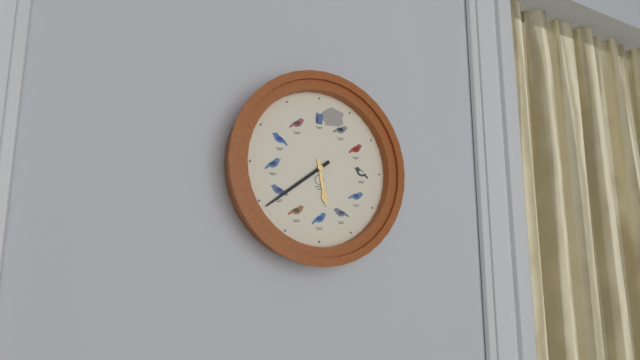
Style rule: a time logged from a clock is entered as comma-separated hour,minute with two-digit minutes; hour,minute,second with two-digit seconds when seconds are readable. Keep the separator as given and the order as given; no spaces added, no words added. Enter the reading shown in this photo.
5,39
